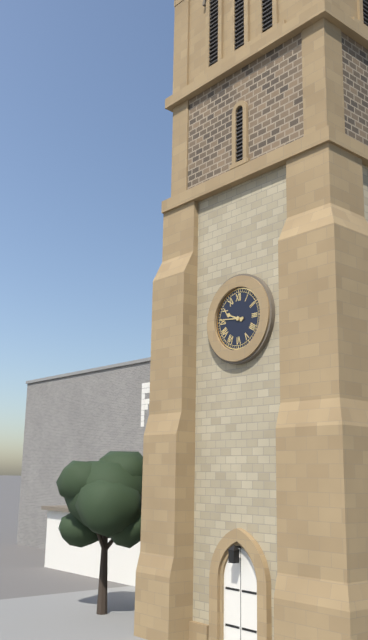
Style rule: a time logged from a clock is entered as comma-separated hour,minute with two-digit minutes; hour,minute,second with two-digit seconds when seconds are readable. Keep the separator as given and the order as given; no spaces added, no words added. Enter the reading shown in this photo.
9,46
